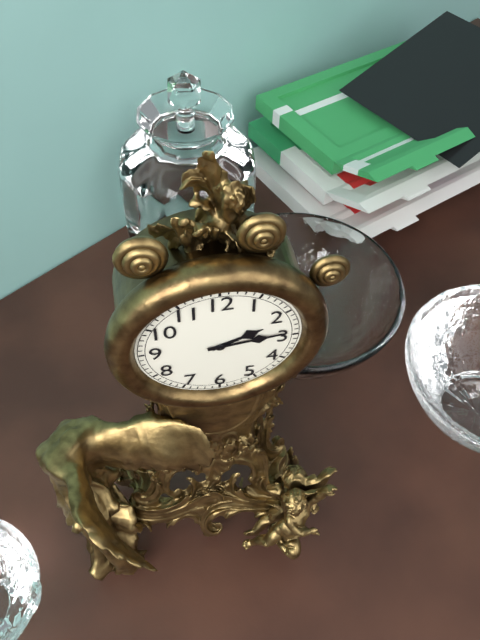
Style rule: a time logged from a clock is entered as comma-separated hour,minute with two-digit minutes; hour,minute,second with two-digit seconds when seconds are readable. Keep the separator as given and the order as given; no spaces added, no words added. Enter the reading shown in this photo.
2,14
